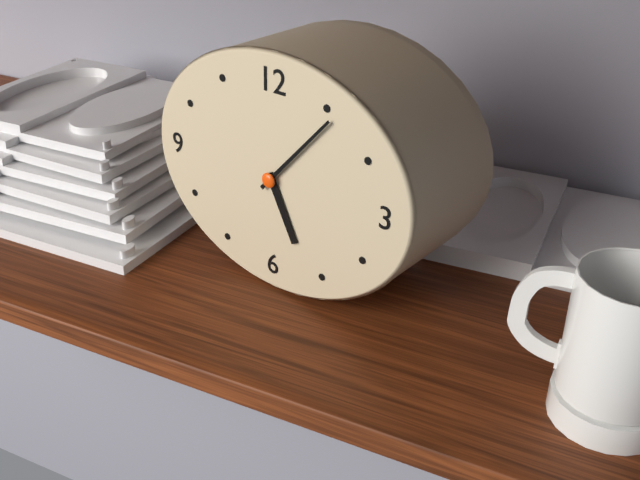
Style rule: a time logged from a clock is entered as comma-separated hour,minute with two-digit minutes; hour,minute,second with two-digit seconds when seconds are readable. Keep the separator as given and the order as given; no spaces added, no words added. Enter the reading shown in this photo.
5,07
